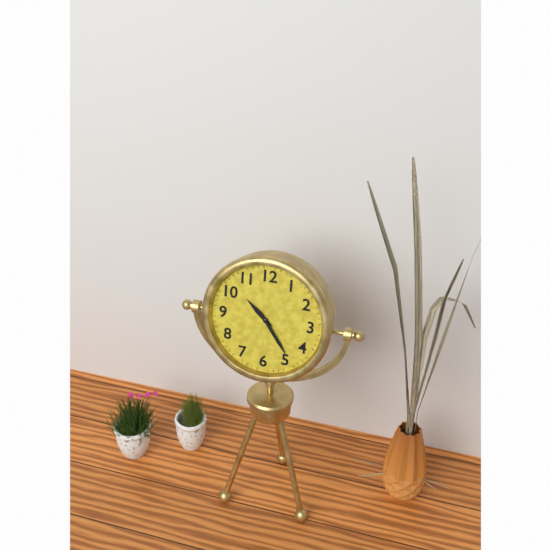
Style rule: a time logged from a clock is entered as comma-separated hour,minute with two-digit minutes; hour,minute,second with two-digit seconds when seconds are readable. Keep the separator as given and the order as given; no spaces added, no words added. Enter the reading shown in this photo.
10,24
